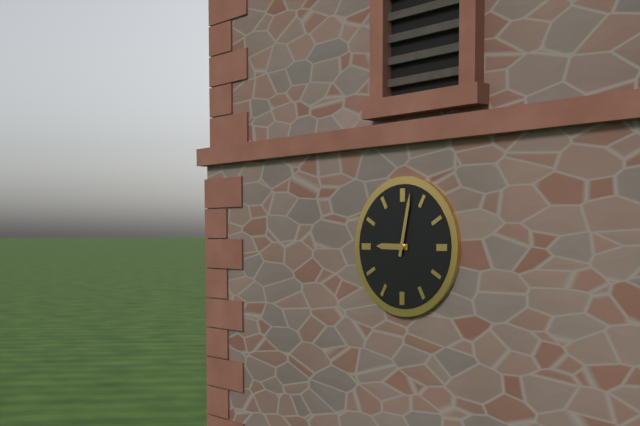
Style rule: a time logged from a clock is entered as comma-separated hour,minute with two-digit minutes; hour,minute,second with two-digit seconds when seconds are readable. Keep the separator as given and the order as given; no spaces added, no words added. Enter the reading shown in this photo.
9,02
